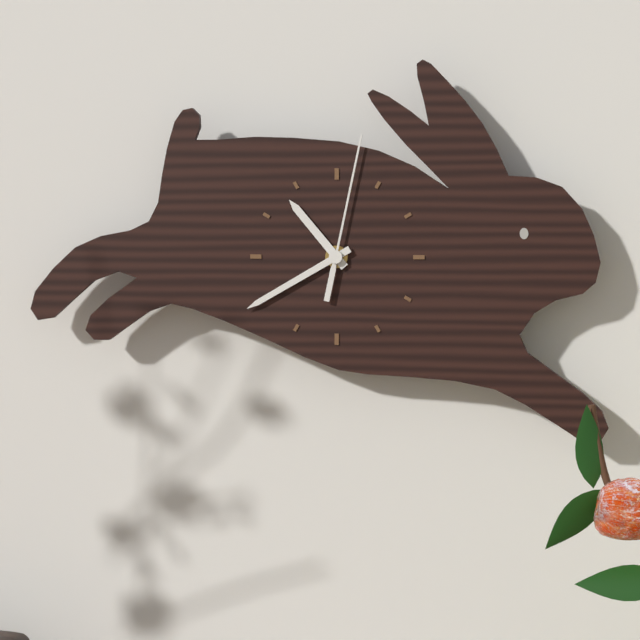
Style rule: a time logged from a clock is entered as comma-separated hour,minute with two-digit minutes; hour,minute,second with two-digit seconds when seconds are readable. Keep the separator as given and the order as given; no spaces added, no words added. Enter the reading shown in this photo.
10,40,02
